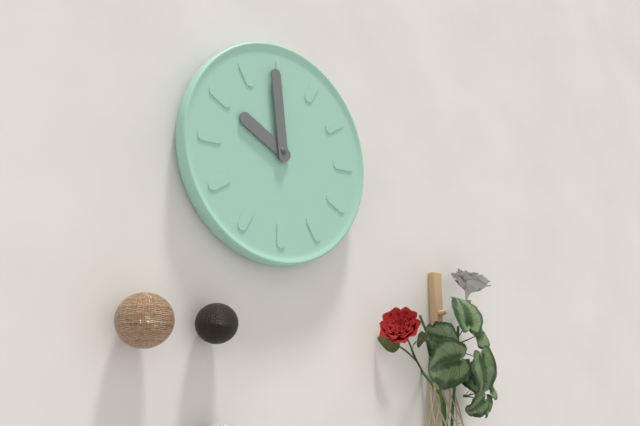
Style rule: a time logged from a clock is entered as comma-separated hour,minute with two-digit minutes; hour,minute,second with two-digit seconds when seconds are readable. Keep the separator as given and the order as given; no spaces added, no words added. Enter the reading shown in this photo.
9,59
